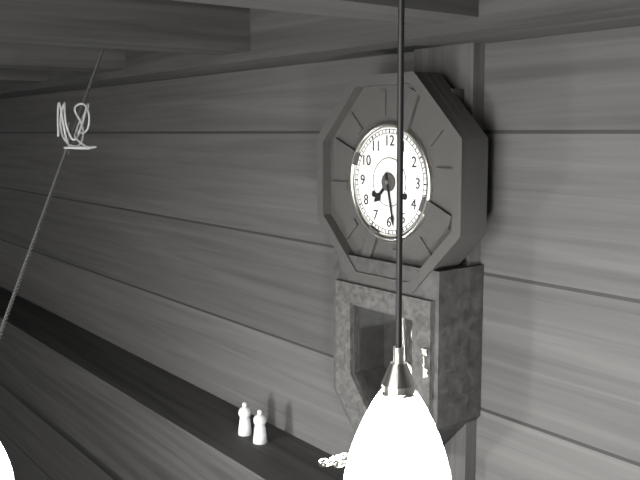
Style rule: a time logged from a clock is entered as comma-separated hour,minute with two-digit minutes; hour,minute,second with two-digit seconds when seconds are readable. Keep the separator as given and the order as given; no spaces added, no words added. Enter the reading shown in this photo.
7,28
